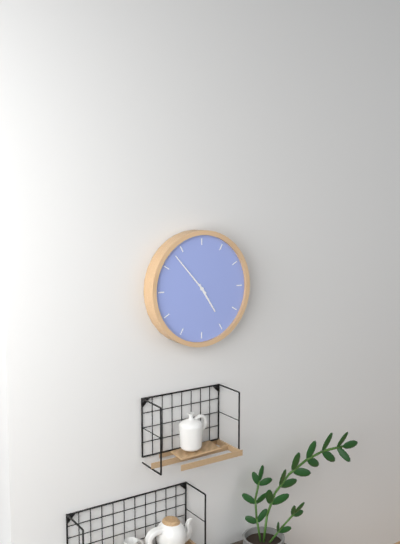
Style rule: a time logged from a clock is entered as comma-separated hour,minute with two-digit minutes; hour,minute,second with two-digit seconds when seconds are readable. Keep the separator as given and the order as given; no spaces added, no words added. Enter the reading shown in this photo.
4,53
